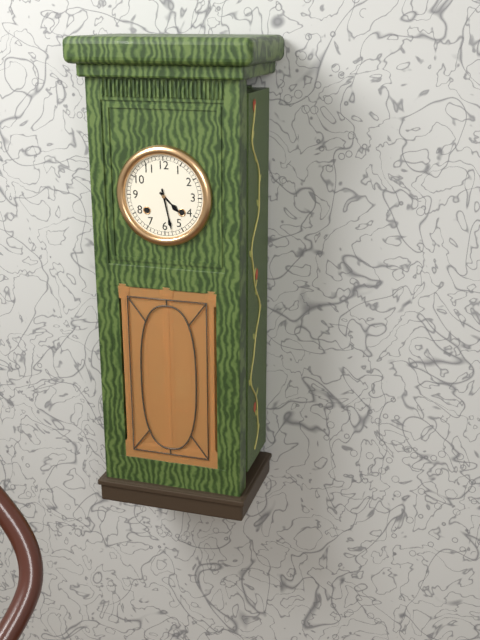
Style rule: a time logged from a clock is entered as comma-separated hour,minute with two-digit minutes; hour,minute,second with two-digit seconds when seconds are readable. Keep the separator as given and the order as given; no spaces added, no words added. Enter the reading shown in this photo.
4,28
